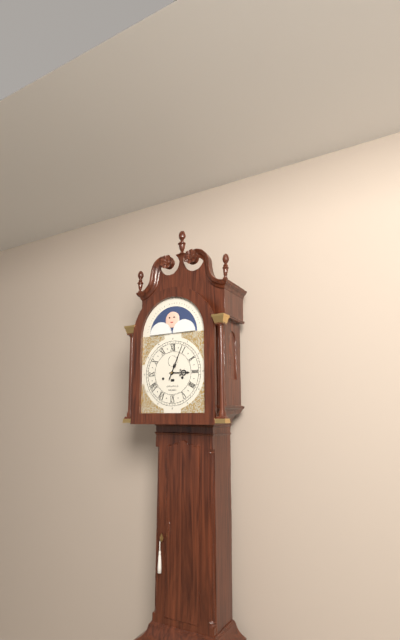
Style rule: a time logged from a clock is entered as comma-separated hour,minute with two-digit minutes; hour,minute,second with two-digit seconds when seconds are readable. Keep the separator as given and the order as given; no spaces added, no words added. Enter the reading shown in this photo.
3,04
